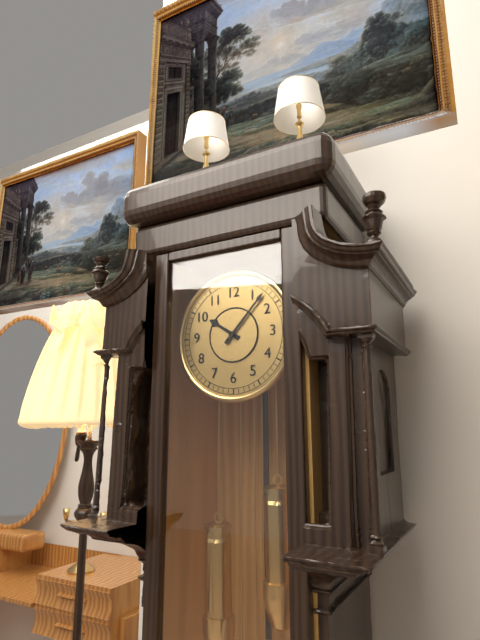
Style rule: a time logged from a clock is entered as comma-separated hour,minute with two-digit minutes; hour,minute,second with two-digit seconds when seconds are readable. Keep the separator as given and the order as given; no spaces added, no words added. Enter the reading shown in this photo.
10,07
